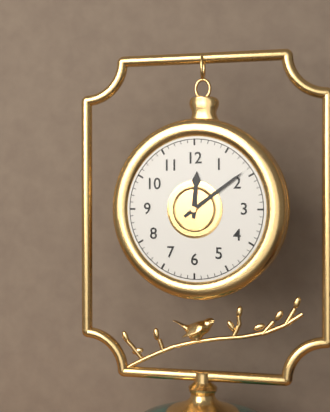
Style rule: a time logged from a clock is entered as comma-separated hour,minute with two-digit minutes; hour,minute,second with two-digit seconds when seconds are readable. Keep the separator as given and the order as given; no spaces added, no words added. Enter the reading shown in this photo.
12,09
